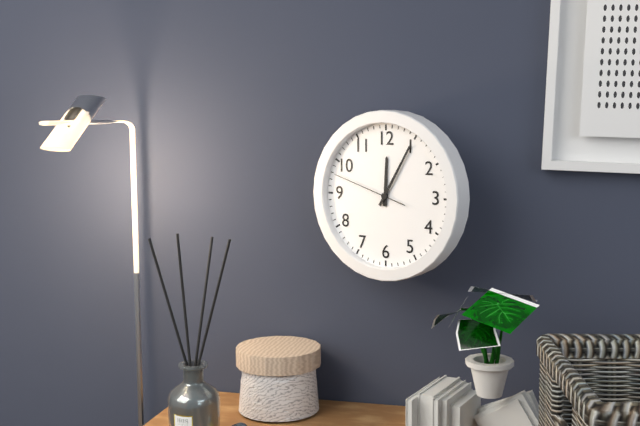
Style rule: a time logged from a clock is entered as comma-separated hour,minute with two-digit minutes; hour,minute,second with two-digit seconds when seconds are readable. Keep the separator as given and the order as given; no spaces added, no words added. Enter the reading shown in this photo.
12,05,48
